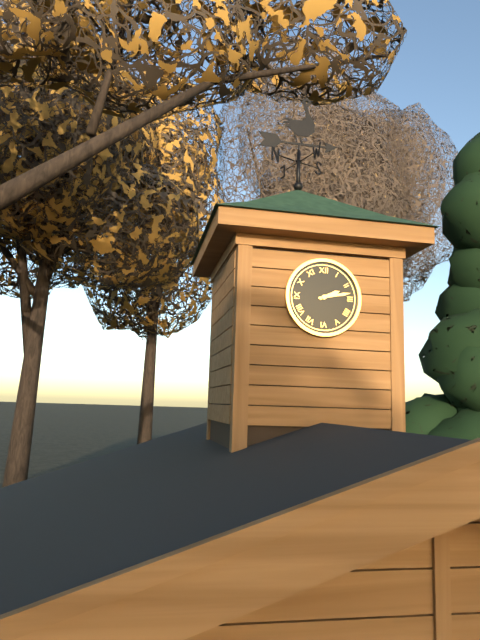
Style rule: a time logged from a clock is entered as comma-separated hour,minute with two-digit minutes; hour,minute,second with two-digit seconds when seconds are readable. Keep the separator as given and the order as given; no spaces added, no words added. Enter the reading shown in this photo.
2,13
